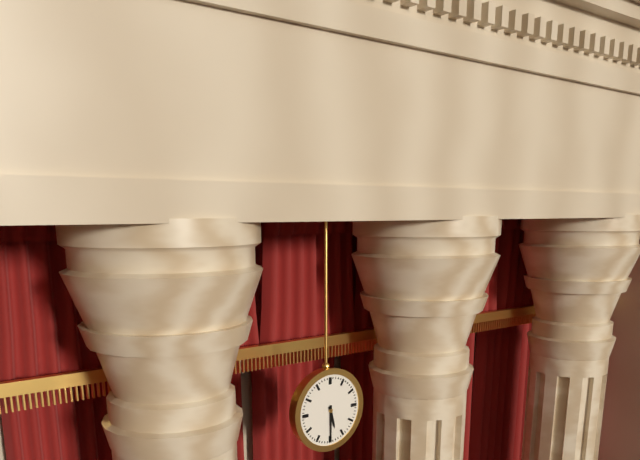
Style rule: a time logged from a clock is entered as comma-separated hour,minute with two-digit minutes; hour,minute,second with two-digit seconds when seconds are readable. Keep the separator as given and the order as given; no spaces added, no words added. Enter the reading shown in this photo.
5,30
